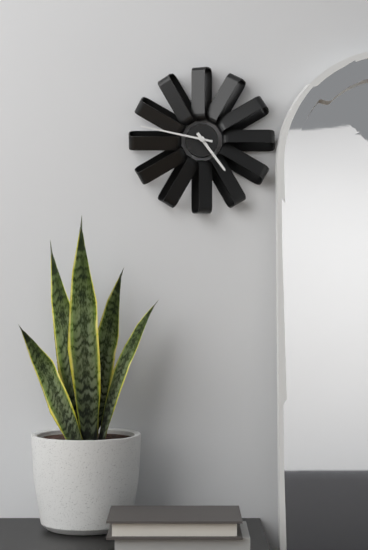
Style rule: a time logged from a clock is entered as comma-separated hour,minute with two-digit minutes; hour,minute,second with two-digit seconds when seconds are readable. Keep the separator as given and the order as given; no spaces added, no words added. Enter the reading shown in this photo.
4,47
